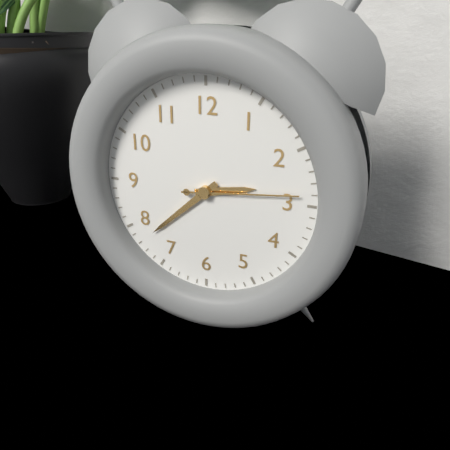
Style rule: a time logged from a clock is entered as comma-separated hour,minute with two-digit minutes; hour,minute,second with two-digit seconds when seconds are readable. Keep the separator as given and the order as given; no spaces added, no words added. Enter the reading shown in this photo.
2,38,14
